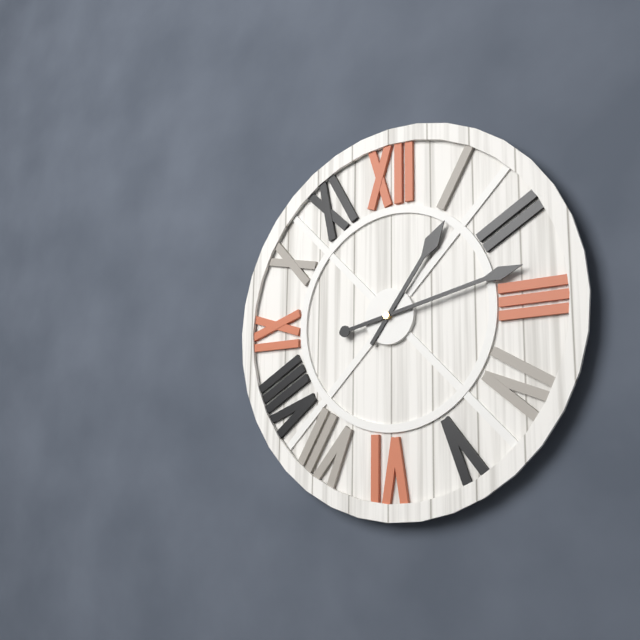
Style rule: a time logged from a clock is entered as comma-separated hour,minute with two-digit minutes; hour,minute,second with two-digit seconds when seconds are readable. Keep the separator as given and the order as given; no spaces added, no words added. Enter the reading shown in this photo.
1,13
